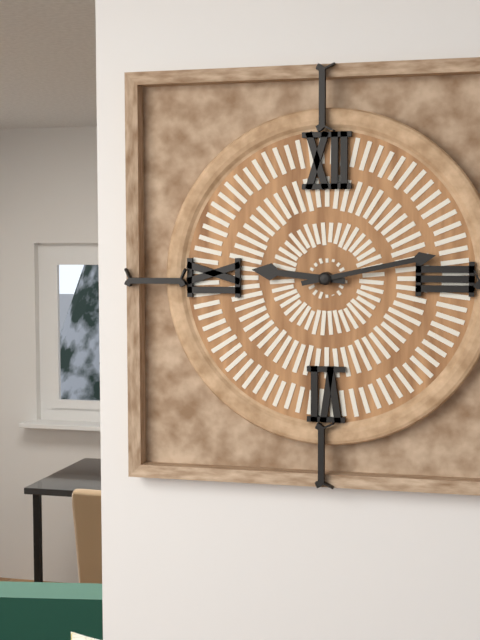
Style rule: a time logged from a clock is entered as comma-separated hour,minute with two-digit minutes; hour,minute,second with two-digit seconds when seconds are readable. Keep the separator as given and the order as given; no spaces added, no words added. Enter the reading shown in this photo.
9,13
